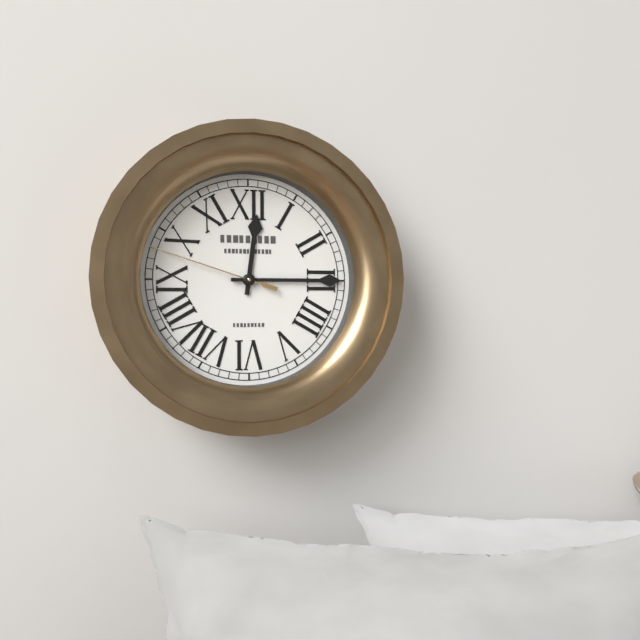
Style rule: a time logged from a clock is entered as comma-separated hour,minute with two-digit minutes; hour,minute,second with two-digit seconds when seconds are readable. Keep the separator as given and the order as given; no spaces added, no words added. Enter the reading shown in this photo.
12,15,48
